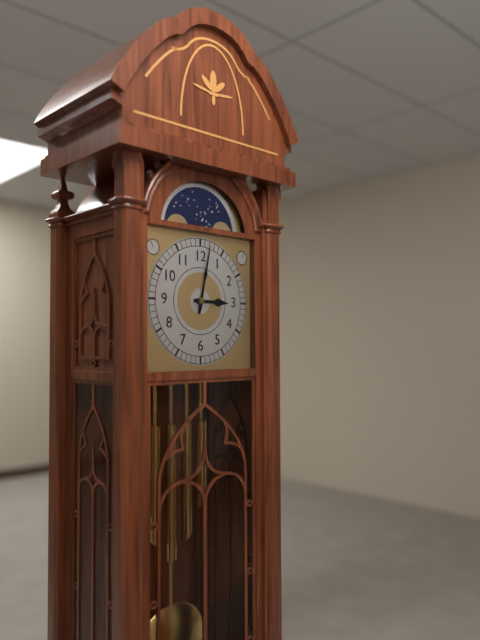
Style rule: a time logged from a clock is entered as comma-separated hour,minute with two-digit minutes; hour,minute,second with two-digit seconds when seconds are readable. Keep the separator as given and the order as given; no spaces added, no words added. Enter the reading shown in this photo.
3,02
